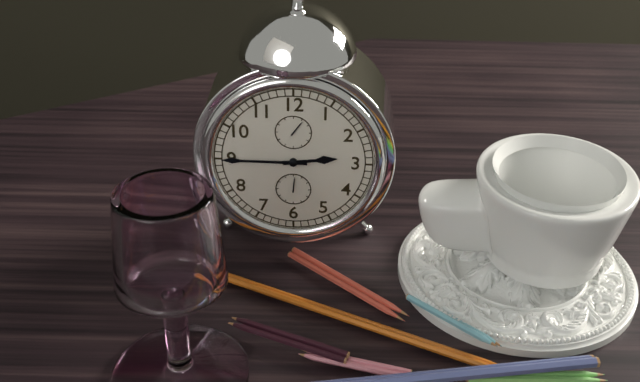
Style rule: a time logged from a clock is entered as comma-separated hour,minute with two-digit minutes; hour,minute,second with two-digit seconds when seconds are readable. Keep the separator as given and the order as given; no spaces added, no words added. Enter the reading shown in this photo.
2,45
